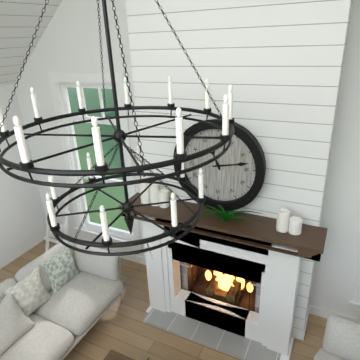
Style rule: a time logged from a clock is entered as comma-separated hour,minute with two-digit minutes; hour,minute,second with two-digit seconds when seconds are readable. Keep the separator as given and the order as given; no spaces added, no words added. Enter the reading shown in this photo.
11,13
